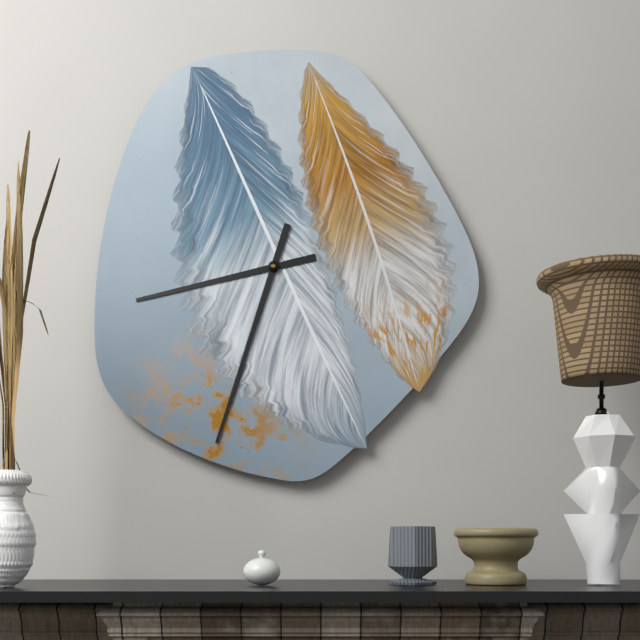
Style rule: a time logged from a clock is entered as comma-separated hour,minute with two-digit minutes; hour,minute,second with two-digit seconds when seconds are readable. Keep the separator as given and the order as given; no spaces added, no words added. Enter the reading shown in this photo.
8,33
